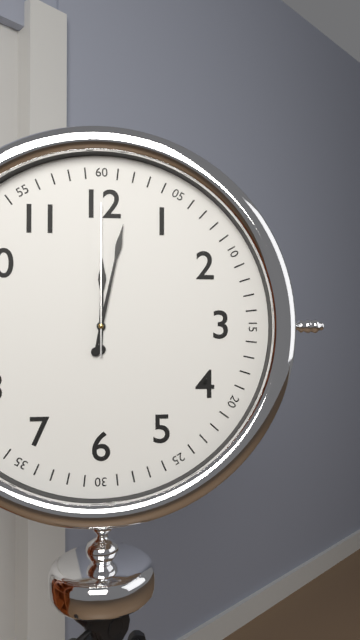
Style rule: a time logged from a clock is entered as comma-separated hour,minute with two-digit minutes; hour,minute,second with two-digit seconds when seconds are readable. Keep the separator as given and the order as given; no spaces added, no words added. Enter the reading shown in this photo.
12,02,00
